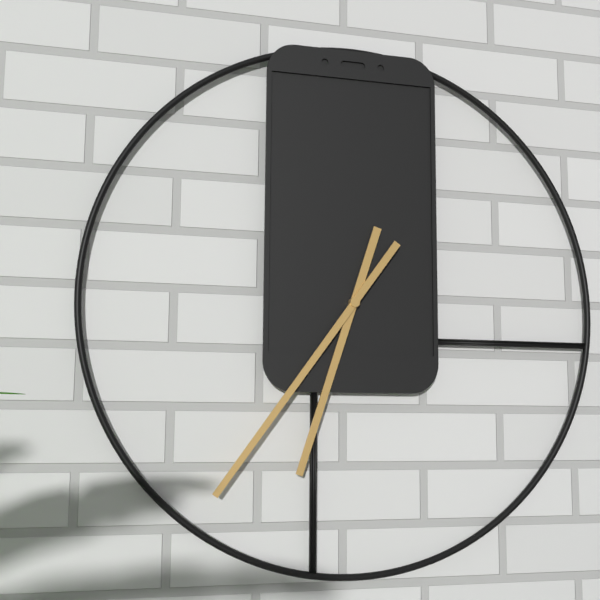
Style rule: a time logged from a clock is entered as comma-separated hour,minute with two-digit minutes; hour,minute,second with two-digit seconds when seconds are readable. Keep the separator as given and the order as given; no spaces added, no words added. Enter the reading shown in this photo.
6,36
